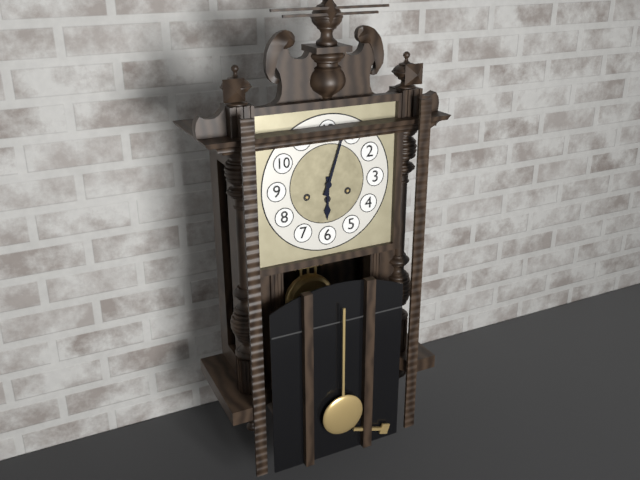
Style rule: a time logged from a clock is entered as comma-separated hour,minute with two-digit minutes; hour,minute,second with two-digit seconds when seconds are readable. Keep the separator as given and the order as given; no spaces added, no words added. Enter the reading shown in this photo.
6,03
